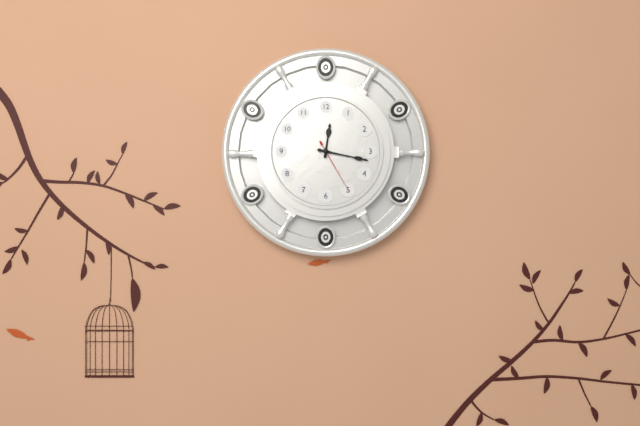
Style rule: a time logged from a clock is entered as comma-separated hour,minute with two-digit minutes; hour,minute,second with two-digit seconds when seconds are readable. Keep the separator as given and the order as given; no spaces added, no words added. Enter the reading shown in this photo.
12,17,25
